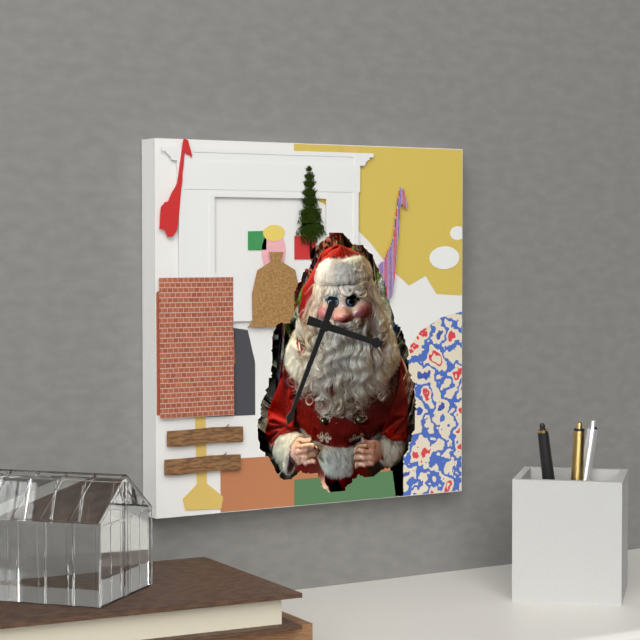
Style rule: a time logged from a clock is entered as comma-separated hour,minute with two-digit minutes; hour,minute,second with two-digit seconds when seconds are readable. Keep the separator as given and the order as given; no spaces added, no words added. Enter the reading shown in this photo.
3,34
